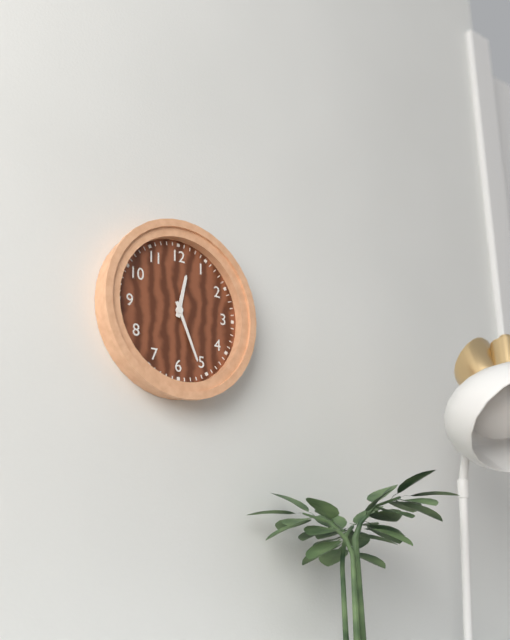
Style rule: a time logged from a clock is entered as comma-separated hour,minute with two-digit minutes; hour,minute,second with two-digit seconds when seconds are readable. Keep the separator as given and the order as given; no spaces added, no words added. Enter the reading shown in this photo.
12,26
